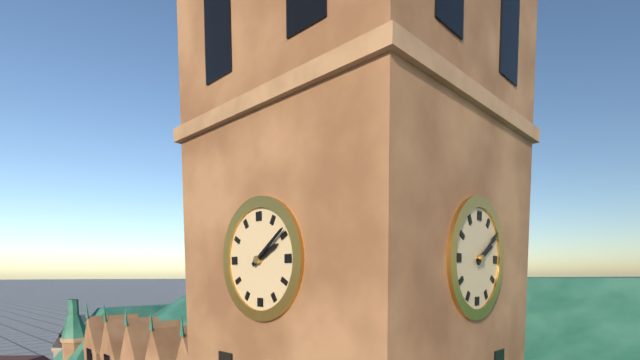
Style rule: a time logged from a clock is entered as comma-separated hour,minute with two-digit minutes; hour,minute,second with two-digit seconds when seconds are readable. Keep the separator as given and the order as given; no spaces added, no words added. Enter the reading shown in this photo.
2,09
